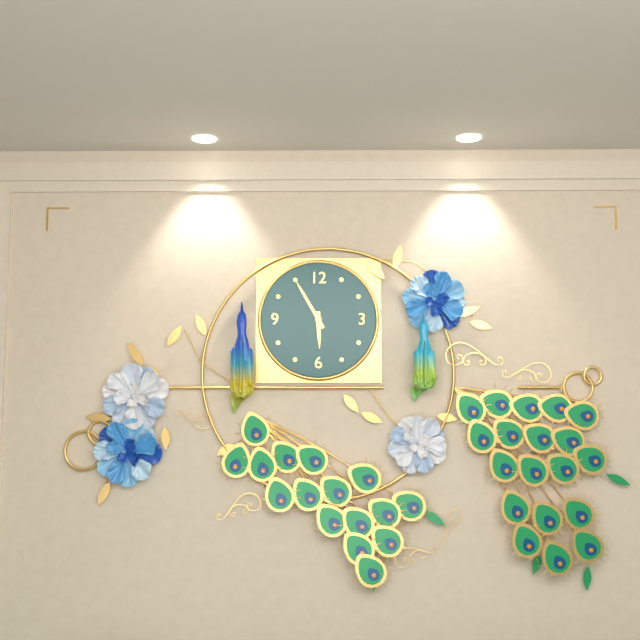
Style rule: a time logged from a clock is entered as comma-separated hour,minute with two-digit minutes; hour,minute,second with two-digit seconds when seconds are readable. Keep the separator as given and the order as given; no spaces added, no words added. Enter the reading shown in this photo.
5,55
